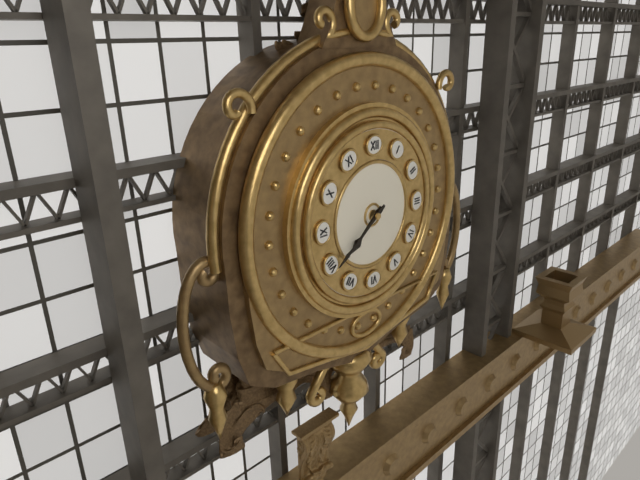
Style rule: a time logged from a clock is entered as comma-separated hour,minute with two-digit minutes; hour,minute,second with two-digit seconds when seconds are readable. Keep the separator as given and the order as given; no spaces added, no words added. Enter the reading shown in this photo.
7,39
